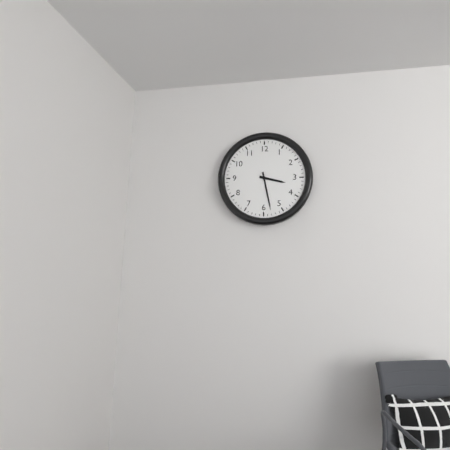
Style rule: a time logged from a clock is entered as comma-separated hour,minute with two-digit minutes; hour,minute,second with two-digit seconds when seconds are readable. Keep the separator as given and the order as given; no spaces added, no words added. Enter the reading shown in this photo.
3,28
